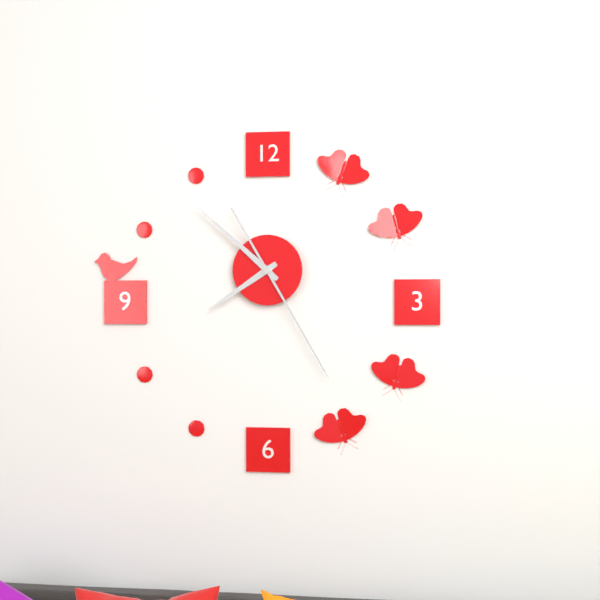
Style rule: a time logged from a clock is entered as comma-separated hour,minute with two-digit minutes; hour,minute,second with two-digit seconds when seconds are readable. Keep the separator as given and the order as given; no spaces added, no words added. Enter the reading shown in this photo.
7,52,25
